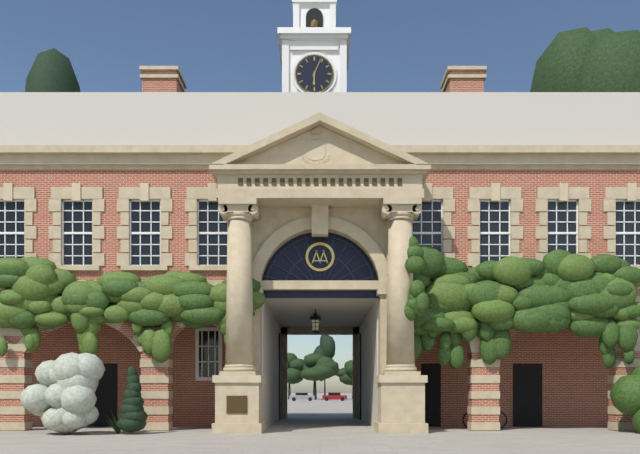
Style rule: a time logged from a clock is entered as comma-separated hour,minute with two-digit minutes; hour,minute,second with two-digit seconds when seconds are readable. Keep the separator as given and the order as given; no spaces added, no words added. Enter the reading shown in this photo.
6,04
